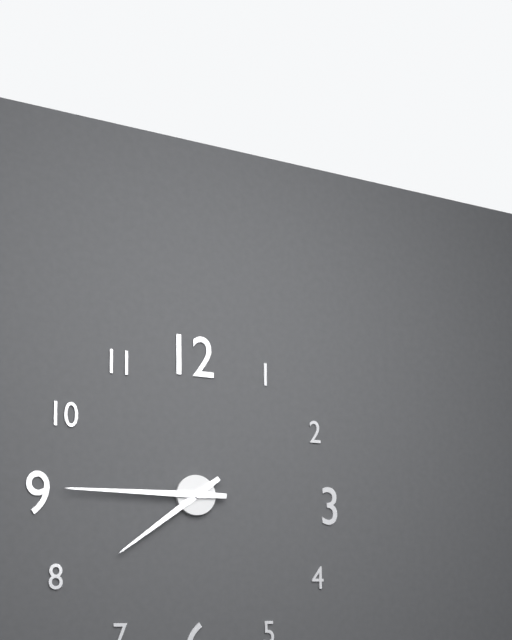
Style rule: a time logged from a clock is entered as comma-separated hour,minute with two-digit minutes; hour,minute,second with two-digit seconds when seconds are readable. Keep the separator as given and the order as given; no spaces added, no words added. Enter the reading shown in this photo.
7,45
